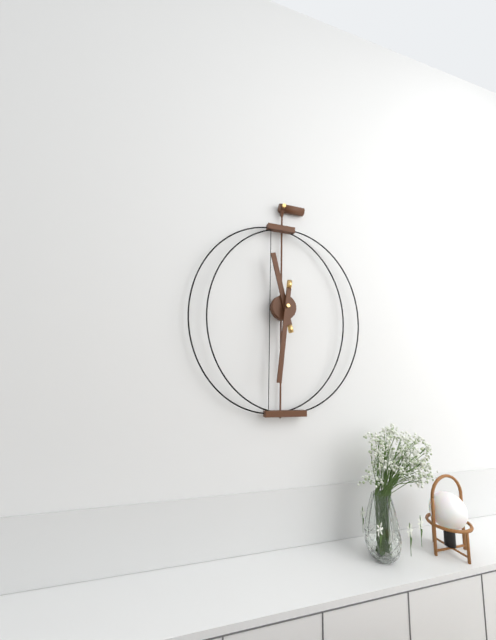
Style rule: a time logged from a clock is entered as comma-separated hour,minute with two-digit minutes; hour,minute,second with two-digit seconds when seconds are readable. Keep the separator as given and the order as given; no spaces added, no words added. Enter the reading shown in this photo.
11,31
